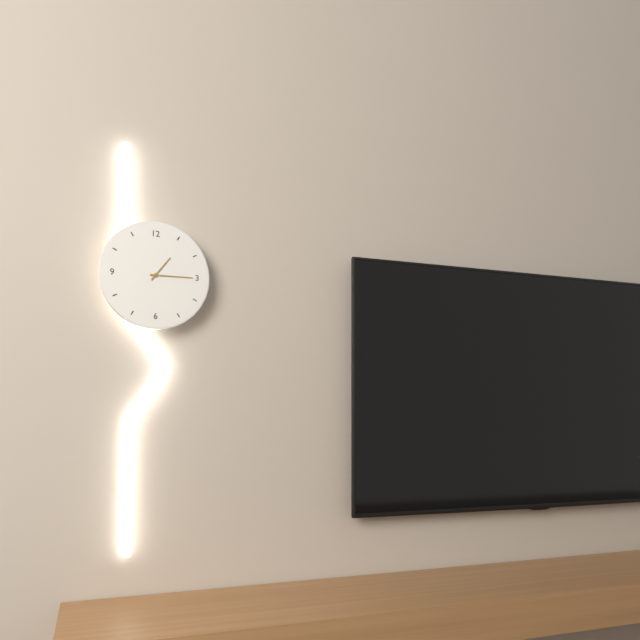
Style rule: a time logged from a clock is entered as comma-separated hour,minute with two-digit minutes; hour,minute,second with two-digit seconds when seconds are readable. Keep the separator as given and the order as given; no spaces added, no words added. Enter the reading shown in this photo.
1,15
